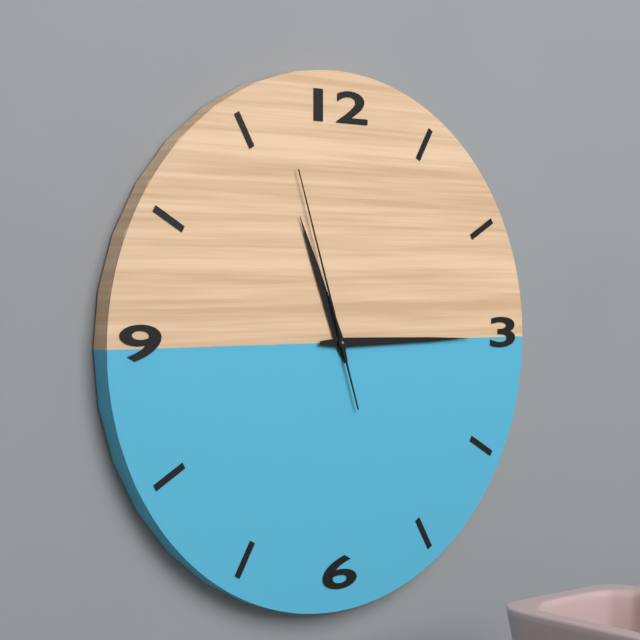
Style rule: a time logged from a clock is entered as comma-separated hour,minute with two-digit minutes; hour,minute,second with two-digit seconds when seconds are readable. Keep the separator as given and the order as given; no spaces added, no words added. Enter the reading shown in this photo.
11,15,57
